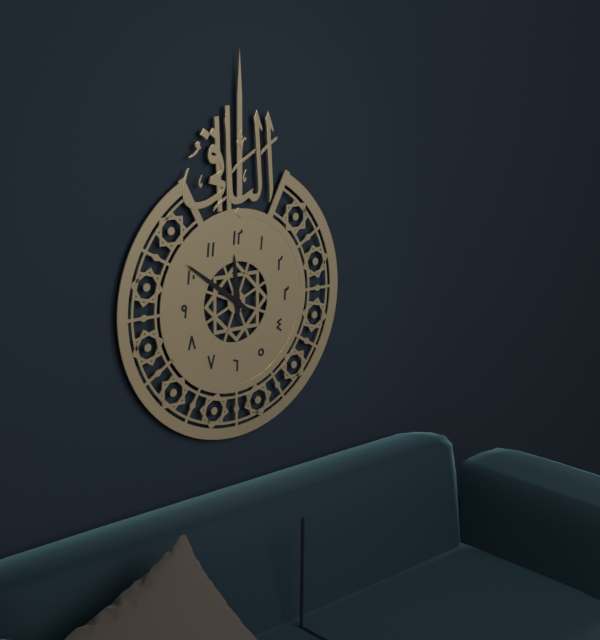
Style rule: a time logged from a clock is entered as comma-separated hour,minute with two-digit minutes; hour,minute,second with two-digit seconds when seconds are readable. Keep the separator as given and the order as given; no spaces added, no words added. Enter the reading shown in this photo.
11,51
